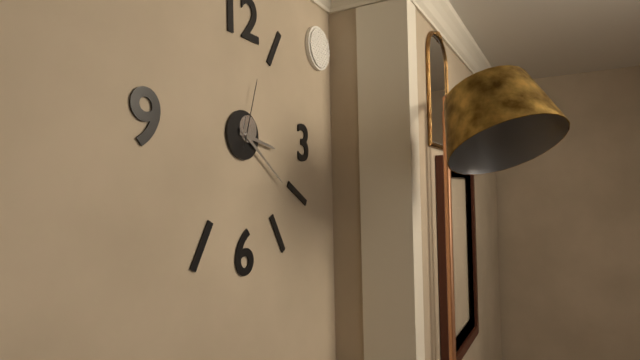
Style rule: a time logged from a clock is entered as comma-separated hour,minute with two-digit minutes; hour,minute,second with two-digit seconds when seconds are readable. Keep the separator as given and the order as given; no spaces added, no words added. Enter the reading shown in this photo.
3,21,03
